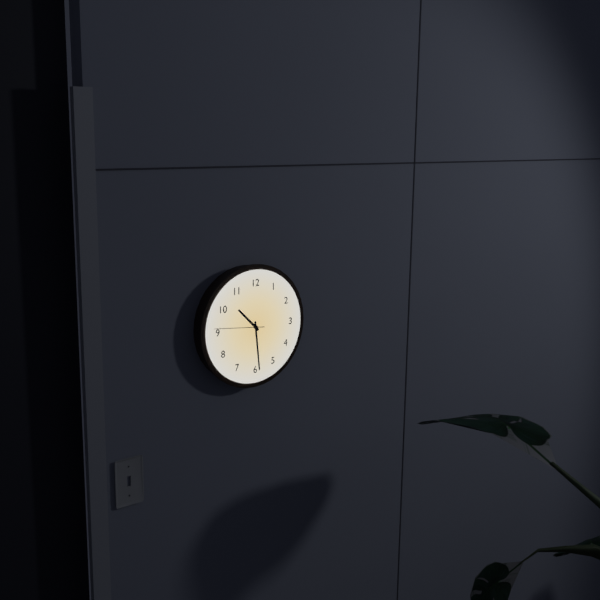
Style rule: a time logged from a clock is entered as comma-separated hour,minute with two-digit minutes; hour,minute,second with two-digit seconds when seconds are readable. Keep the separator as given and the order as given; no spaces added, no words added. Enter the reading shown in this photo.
10,29,46
